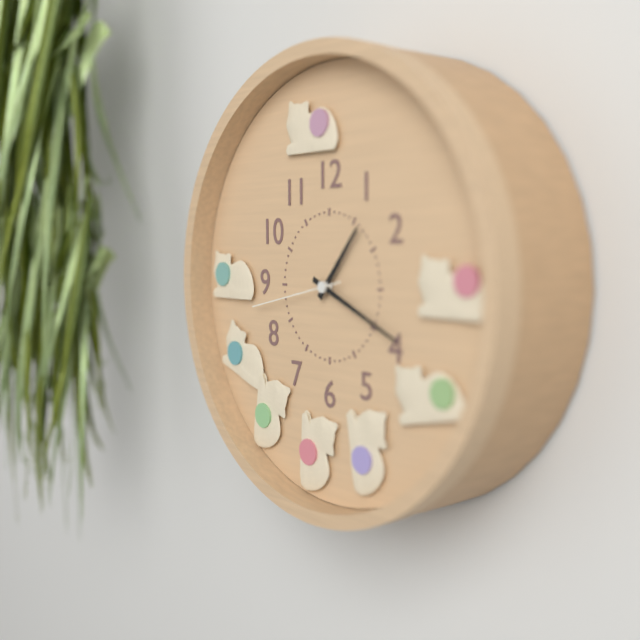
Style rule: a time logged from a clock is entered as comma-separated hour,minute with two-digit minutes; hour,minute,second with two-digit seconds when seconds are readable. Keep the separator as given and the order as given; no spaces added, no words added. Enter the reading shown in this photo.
1,19,43
